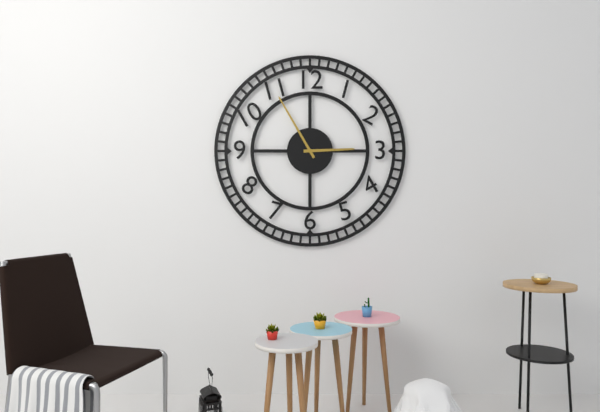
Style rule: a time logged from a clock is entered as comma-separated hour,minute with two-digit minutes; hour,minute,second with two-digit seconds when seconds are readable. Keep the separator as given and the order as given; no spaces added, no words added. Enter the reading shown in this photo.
2,55
